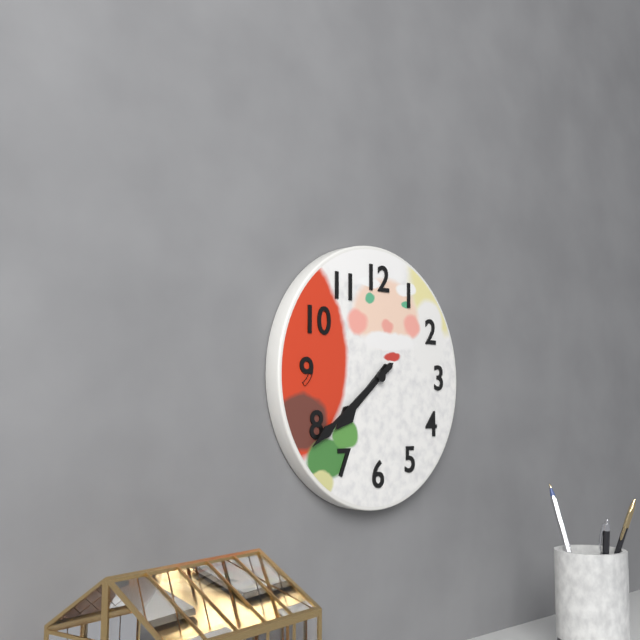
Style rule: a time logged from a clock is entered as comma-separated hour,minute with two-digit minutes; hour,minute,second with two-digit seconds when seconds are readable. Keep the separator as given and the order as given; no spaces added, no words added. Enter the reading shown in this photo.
7,39
